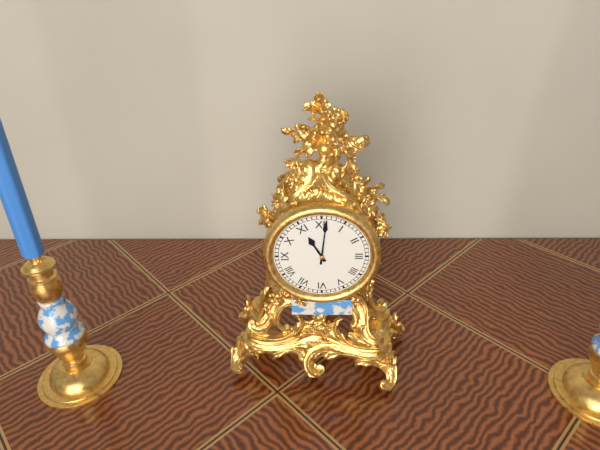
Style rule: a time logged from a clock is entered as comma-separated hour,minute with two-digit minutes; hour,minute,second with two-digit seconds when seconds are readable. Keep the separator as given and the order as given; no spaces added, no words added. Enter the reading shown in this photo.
11,01
